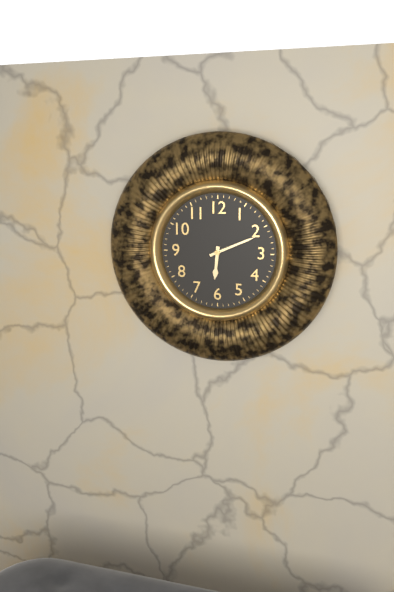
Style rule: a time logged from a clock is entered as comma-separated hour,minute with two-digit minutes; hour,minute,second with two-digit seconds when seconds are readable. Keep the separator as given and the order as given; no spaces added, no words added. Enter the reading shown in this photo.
6,11
